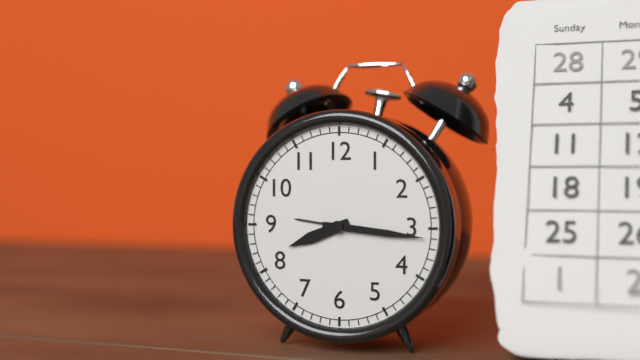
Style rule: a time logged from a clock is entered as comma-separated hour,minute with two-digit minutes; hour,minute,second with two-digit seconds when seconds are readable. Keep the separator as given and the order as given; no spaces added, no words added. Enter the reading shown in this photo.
8,16
